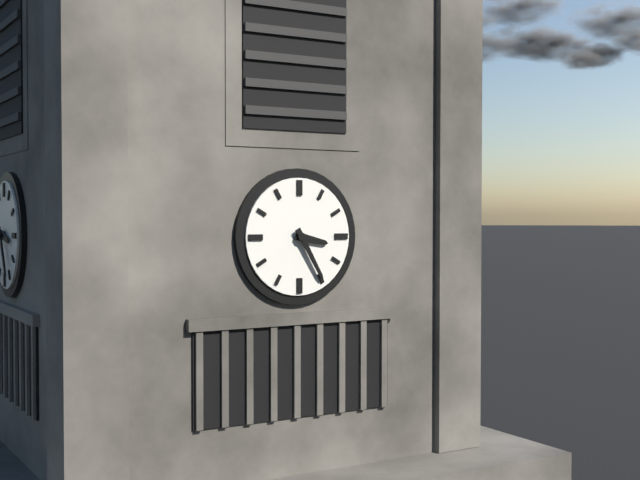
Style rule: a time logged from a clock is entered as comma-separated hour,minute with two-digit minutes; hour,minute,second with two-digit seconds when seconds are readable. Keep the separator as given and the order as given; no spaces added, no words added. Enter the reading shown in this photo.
3,25
